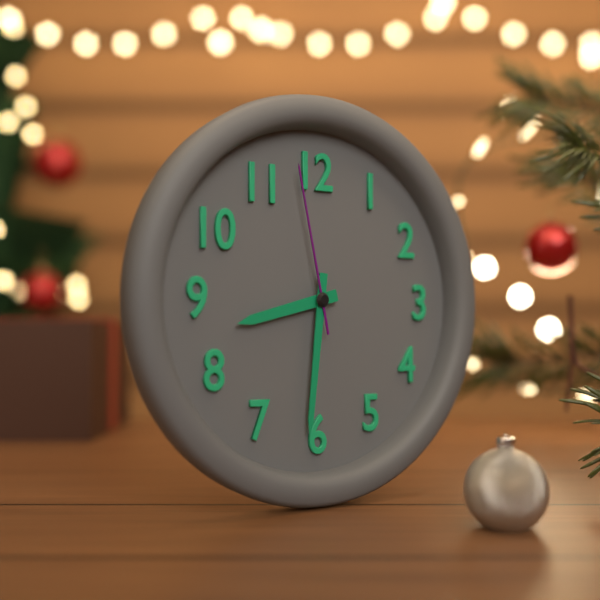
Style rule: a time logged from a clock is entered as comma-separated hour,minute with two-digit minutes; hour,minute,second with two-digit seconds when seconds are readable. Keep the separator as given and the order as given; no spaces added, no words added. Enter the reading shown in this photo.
8,31,58
